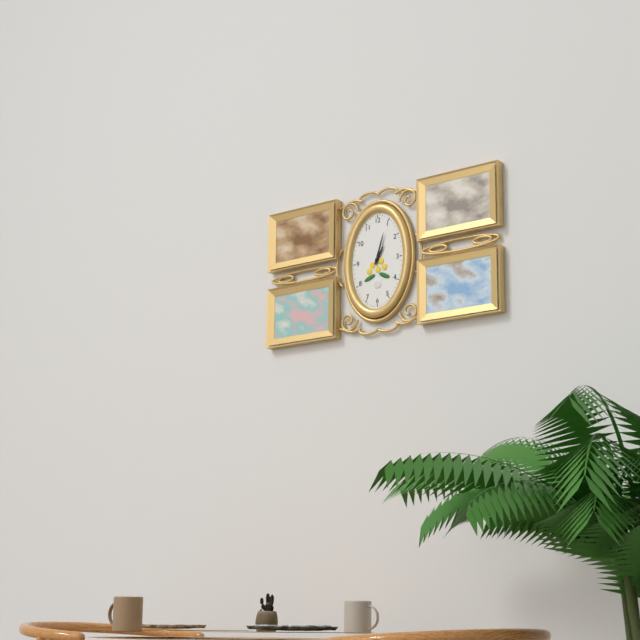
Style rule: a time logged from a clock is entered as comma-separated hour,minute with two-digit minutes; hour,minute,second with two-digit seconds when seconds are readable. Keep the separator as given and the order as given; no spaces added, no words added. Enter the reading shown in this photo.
1,03
